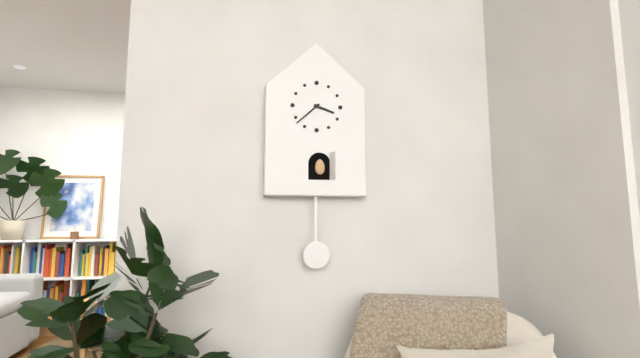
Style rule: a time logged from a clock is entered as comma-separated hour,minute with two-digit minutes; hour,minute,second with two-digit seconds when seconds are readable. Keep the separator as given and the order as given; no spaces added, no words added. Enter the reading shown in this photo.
3,38
